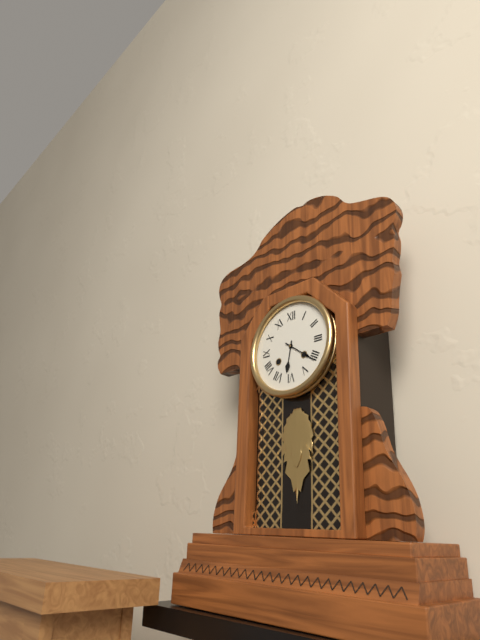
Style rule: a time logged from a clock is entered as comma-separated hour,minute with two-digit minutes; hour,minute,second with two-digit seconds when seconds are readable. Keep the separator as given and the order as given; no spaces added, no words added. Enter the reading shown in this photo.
6,21
